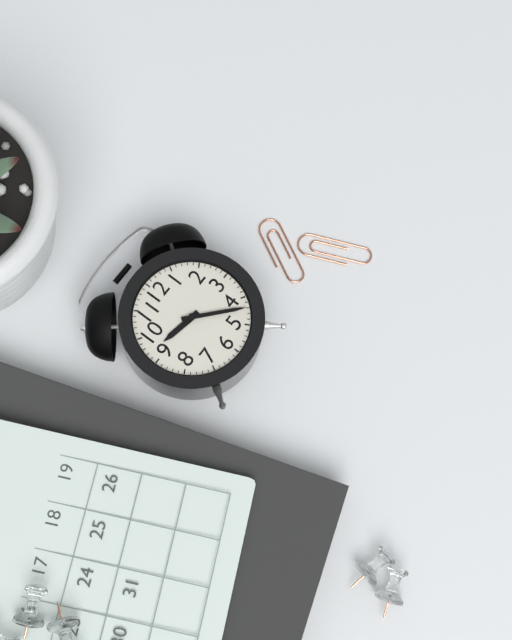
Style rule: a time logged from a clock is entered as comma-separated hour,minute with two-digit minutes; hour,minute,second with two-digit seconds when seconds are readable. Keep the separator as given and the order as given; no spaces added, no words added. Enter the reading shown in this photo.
9,22
